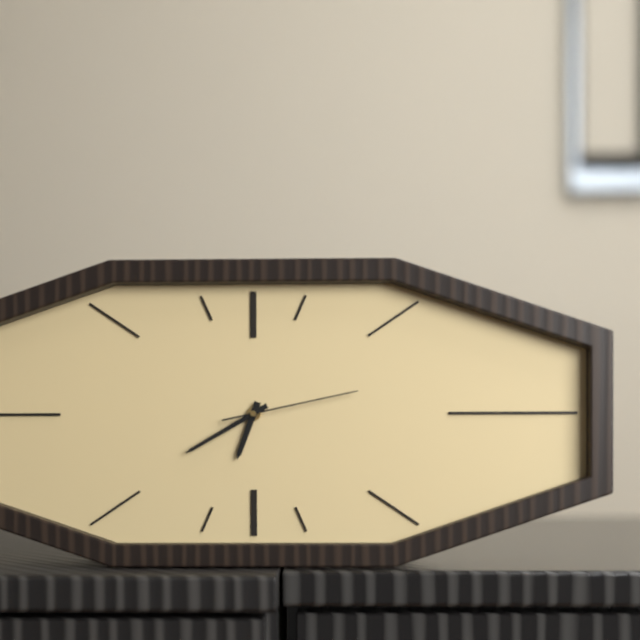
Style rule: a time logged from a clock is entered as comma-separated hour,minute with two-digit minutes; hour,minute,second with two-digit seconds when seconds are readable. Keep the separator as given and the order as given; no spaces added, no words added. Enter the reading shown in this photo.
6,40,13
